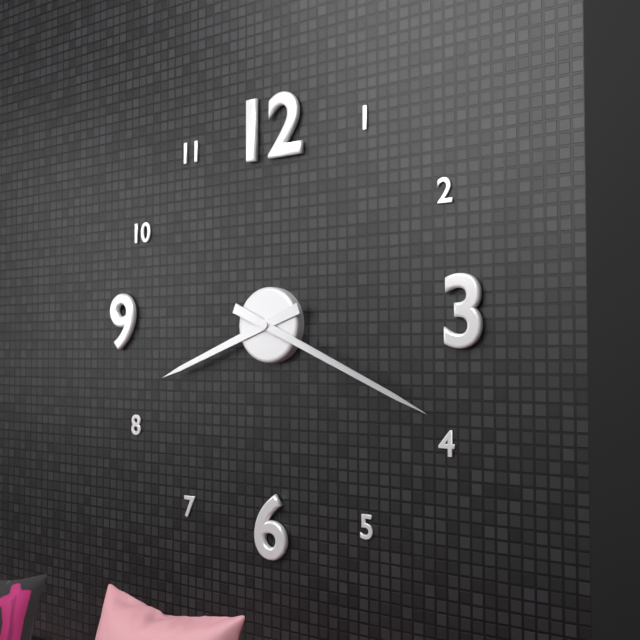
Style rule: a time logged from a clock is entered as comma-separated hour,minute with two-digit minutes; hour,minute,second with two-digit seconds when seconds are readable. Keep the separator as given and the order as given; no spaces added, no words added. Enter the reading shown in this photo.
8,19
